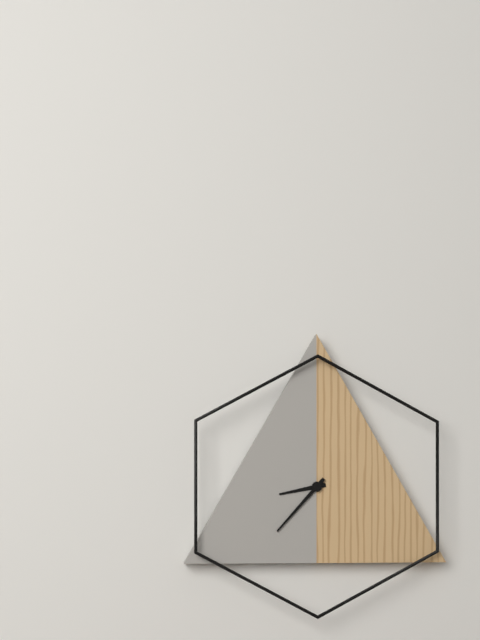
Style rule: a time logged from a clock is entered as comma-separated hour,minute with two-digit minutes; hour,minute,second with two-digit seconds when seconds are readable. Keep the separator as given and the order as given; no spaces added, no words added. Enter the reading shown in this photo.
8,37
